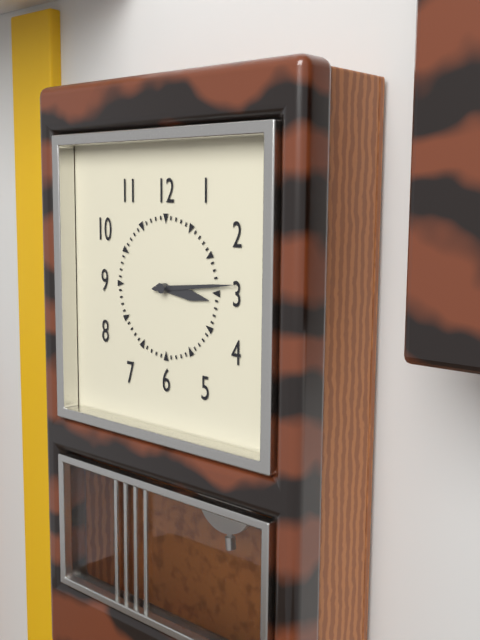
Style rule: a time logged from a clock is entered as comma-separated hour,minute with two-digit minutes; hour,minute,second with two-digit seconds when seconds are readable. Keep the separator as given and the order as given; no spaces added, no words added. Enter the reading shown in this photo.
3,14
